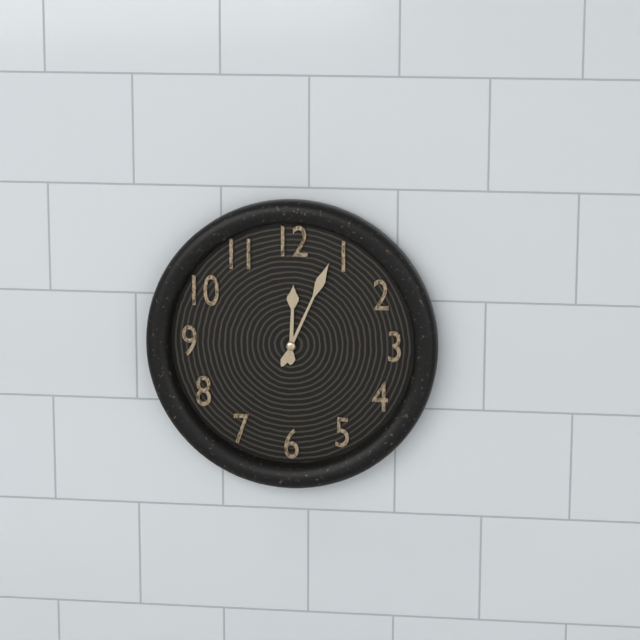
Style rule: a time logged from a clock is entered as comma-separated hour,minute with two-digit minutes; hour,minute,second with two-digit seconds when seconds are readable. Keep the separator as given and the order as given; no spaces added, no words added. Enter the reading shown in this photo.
12,04
